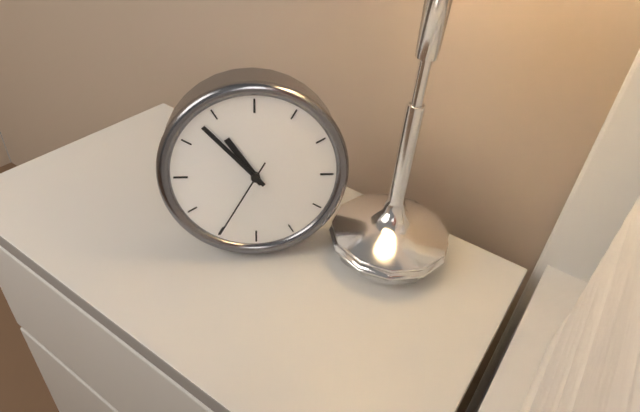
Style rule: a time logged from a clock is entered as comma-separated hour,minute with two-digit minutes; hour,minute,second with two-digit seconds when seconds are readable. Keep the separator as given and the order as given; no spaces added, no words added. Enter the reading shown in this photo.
10,53,35
